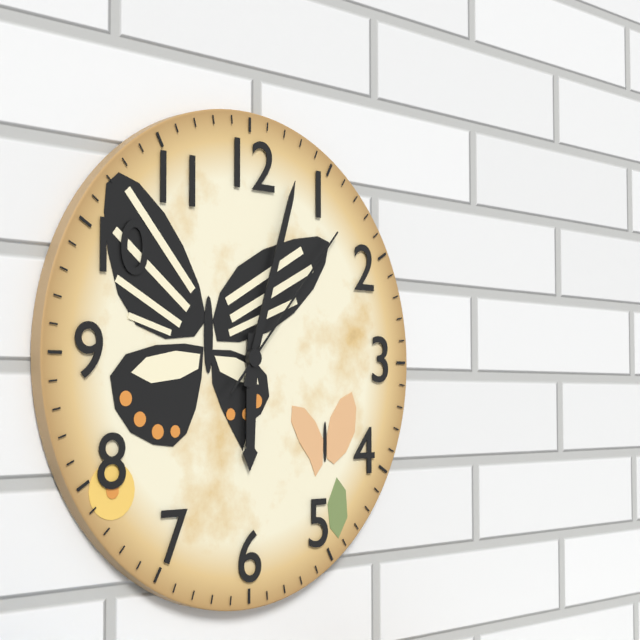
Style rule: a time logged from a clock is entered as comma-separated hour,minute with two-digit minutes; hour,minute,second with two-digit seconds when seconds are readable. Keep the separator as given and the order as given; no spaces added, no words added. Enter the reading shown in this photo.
6,03,07
